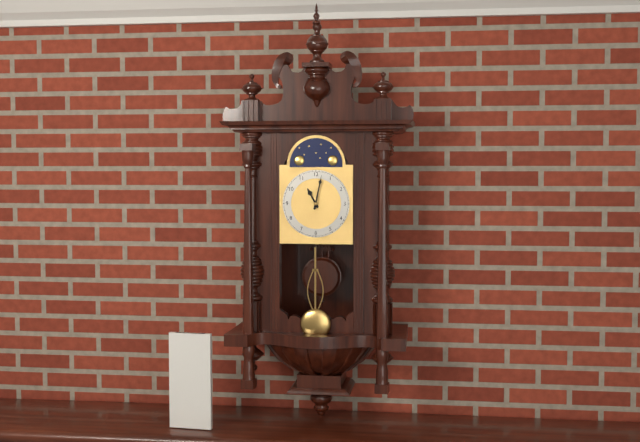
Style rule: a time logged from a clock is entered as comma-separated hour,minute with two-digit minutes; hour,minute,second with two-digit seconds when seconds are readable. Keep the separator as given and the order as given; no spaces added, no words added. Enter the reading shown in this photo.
11,02
